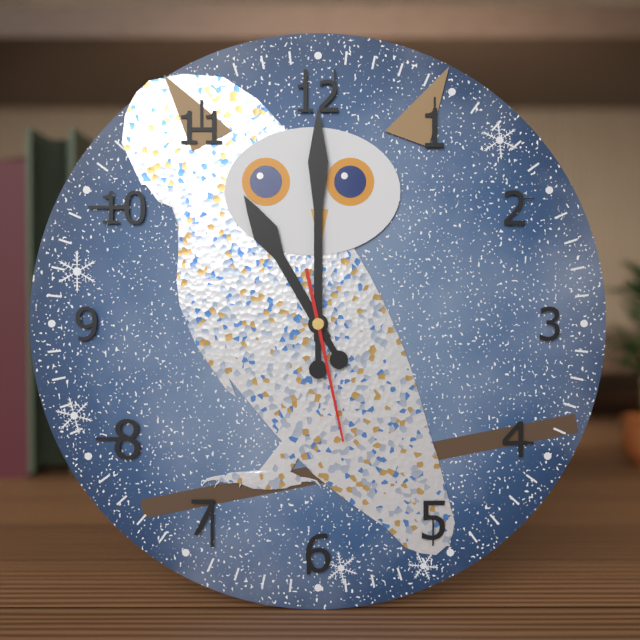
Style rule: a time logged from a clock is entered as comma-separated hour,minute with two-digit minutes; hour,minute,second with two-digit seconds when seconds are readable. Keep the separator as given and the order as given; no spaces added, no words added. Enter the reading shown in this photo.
11,00,28
